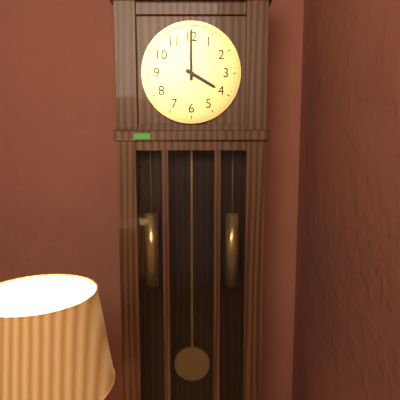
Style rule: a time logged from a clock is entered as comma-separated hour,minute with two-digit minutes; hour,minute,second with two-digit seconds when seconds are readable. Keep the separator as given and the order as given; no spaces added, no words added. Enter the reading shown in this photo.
4,00
